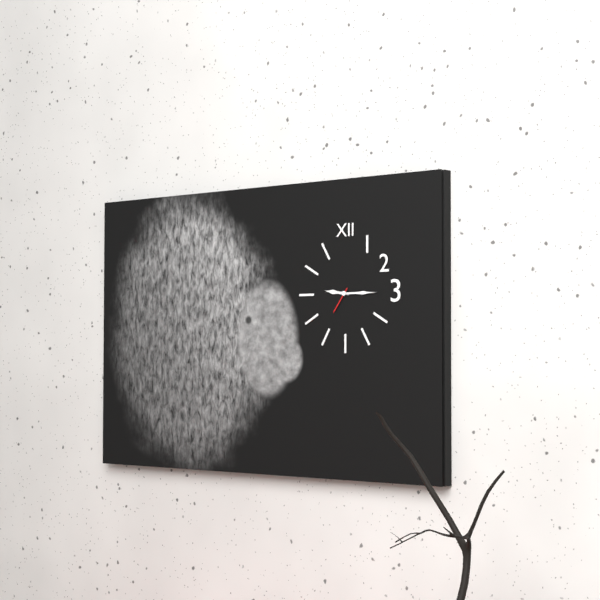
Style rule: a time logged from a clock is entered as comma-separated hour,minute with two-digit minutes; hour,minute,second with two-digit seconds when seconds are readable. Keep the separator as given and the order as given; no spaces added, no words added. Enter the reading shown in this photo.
9,15
